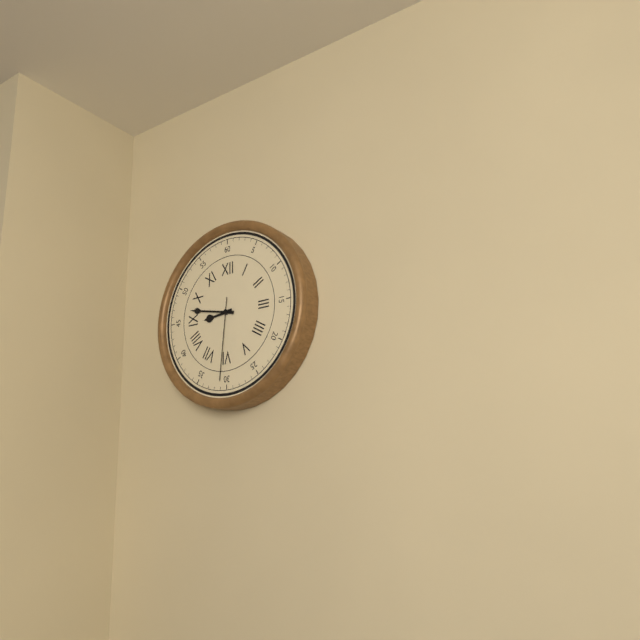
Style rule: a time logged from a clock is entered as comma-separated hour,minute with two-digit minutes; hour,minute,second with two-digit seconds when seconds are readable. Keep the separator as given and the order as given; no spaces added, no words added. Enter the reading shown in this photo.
8,47,31
